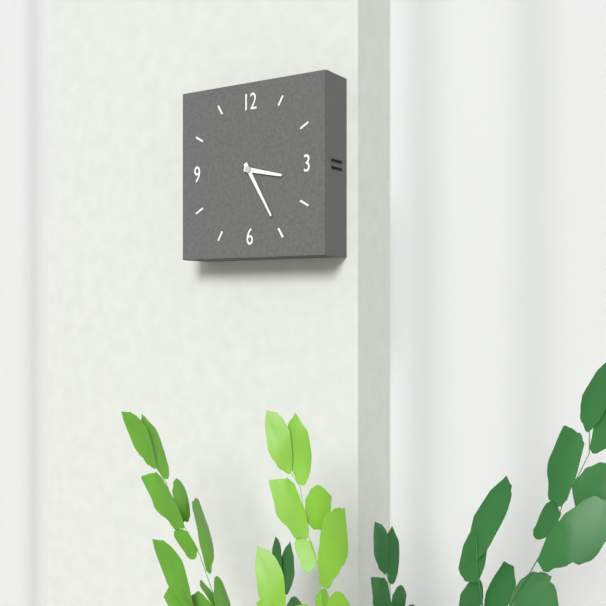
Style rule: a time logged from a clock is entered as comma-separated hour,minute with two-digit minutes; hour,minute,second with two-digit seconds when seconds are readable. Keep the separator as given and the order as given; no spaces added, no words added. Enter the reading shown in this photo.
3,25
